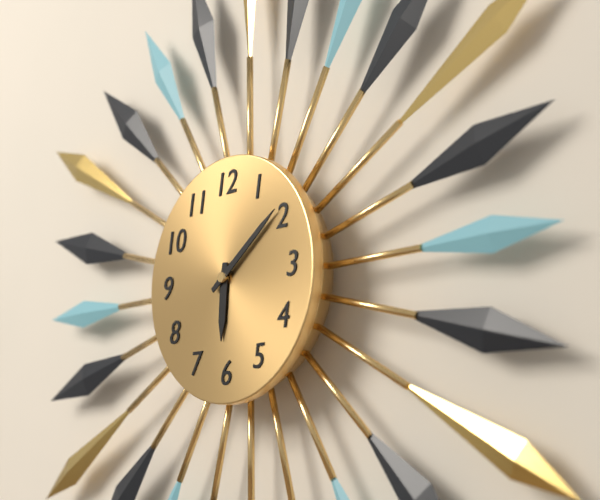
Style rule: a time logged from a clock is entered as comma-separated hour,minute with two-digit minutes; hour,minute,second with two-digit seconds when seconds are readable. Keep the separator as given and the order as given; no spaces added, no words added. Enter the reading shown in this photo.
6,09
